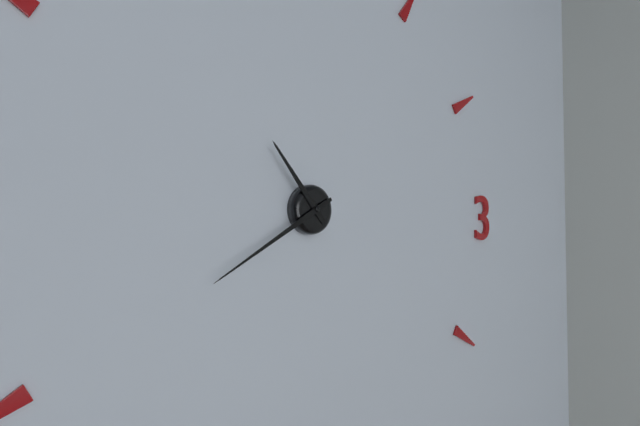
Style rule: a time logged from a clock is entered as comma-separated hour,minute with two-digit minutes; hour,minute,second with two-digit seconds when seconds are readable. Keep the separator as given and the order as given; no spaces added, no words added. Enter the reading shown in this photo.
10,40
